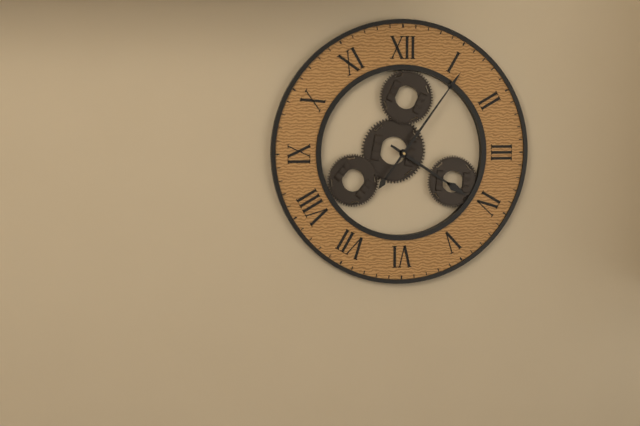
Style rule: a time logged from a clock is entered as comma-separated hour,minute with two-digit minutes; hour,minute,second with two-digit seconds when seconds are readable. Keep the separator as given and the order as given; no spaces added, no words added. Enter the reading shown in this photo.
4,06
